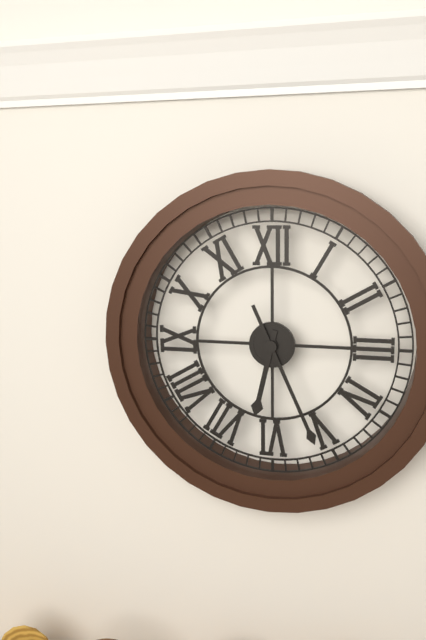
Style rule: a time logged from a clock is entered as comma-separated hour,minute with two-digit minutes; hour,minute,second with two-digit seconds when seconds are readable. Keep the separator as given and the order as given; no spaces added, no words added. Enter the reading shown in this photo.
6,26
